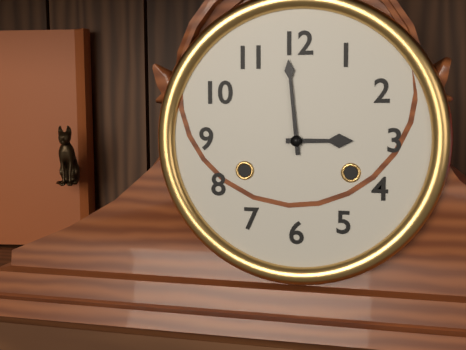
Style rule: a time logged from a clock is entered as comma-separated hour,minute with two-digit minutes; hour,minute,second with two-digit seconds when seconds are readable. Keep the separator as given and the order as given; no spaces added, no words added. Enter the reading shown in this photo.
2,59
